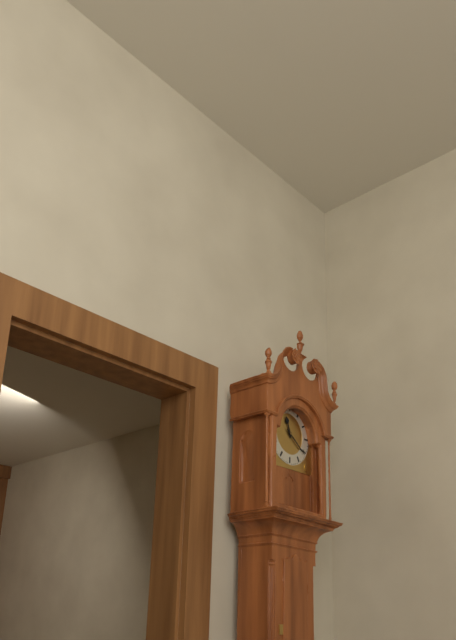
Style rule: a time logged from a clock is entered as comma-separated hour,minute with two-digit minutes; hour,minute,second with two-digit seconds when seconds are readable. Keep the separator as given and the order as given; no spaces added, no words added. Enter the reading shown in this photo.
11,21
